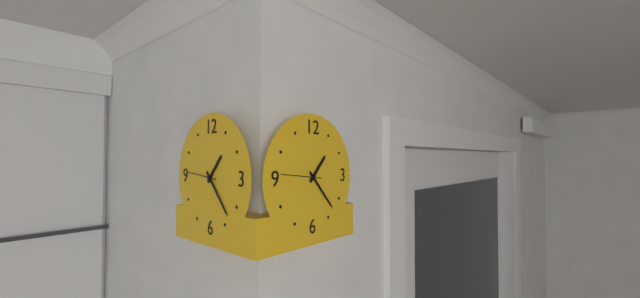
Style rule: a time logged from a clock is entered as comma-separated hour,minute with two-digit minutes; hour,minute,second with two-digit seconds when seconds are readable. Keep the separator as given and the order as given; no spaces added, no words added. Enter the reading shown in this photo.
1,23
